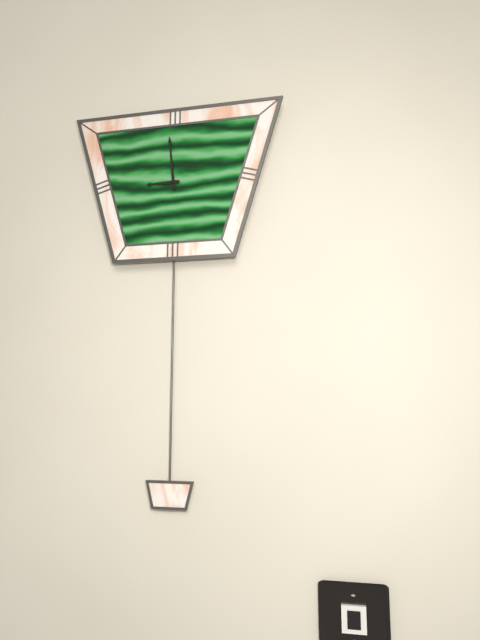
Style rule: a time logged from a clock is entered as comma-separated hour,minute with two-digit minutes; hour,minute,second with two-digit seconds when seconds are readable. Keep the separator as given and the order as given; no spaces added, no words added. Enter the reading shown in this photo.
8,59
